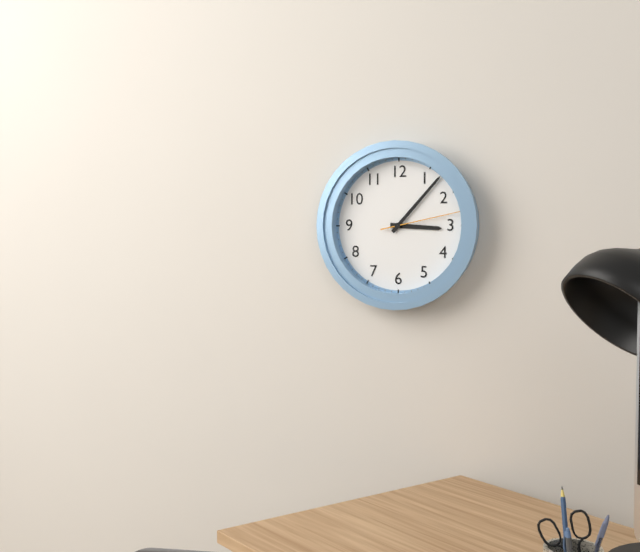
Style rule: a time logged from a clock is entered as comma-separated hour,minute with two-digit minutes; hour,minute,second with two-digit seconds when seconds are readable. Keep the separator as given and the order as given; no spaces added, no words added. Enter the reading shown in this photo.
3,07,13
